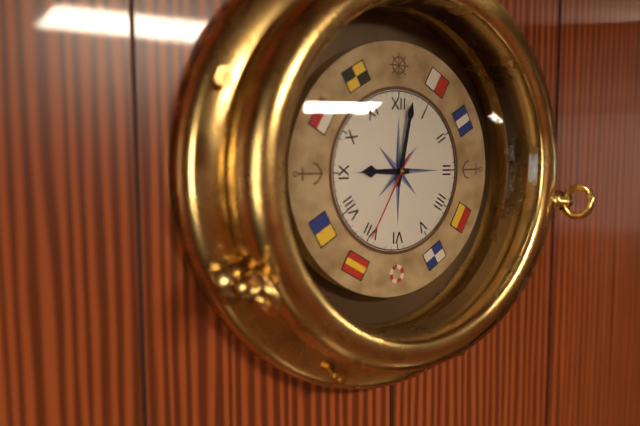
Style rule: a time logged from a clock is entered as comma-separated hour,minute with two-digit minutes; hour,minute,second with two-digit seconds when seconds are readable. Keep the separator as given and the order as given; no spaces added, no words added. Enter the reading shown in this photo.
9,02,35
